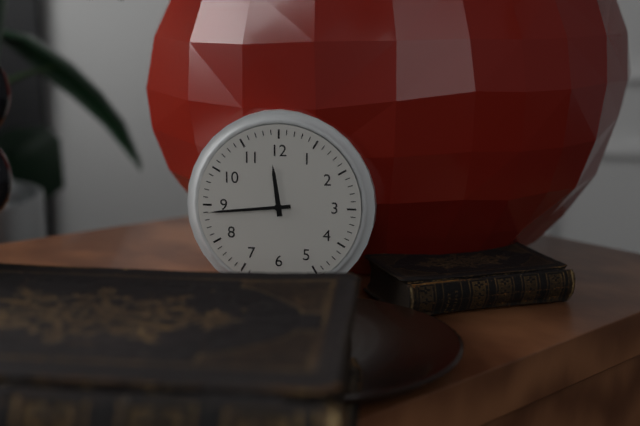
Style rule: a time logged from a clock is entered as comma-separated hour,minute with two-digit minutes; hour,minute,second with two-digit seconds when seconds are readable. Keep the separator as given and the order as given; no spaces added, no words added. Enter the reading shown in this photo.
11,44
